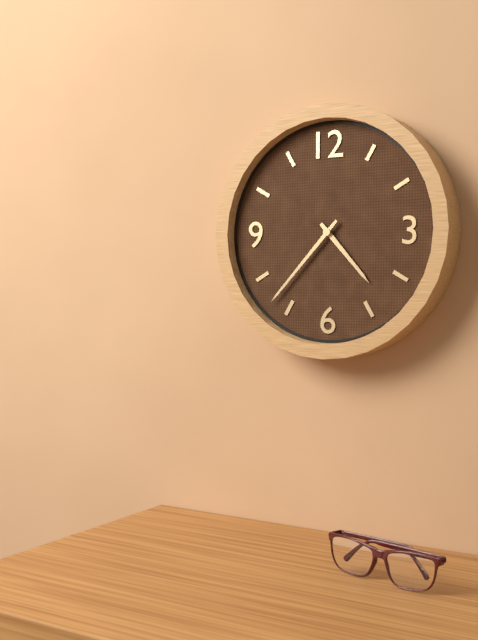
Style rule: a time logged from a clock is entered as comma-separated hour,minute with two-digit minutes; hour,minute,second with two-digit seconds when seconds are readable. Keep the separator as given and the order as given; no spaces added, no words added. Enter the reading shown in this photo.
4,37
